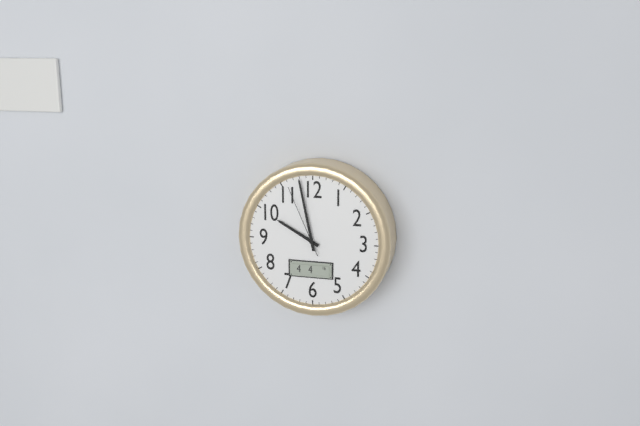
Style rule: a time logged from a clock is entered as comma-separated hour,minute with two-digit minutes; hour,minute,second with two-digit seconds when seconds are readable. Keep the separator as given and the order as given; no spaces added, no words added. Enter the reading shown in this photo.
9,58,56
